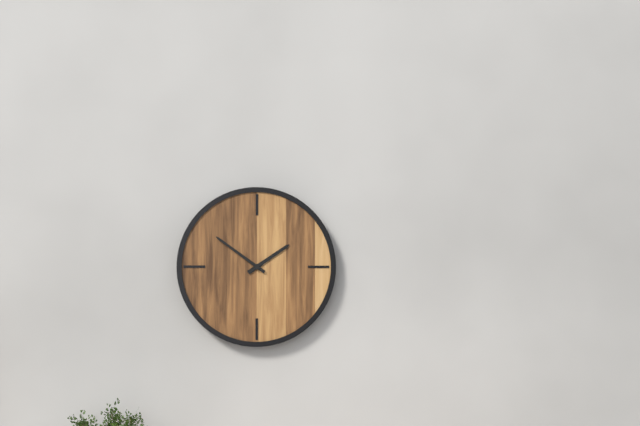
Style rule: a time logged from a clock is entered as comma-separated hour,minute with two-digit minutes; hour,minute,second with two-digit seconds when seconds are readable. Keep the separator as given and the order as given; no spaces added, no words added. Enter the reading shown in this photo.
1,51
